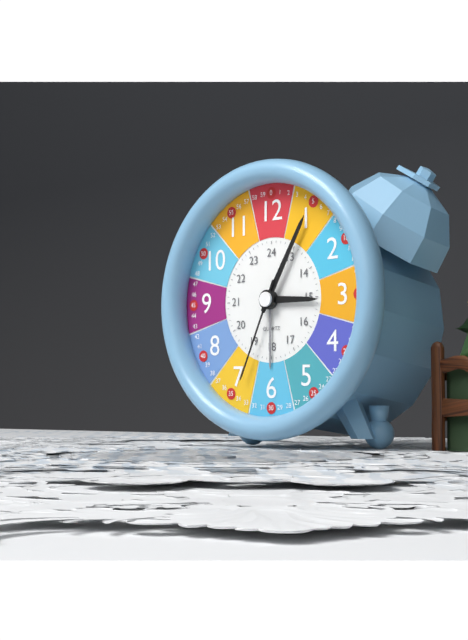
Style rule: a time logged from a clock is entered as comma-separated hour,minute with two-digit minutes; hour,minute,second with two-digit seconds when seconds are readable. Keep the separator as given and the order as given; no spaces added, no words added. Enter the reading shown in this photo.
3,05,34
